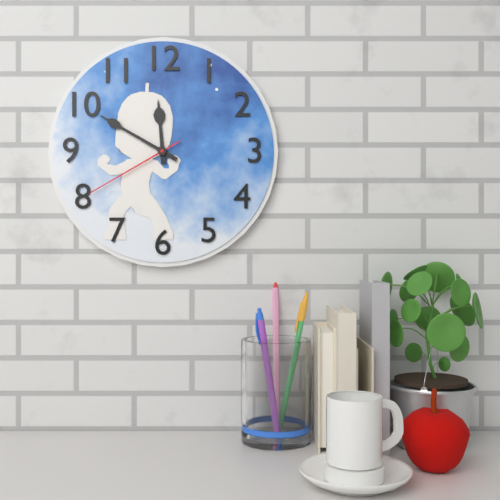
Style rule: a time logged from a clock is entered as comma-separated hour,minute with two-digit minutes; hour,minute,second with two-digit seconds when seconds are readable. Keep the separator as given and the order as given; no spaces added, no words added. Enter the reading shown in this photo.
11,50,40
